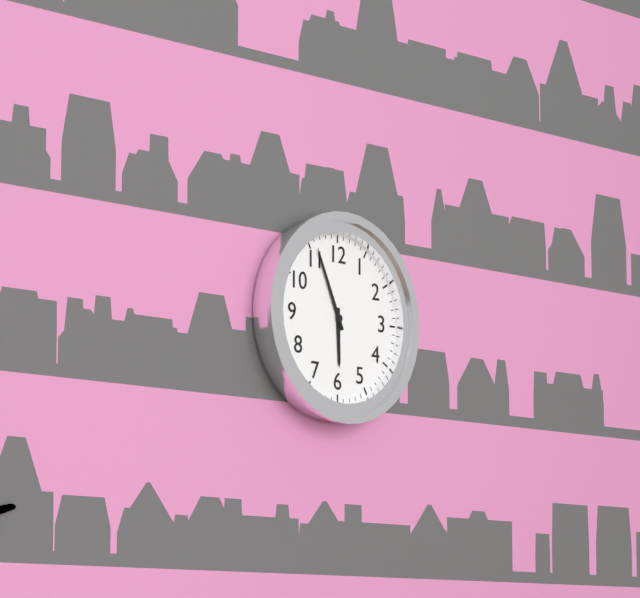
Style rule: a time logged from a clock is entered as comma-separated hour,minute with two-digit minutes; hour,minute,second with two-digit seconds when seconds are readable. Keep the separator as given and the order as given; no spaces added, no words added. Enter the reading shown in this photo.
5,56
